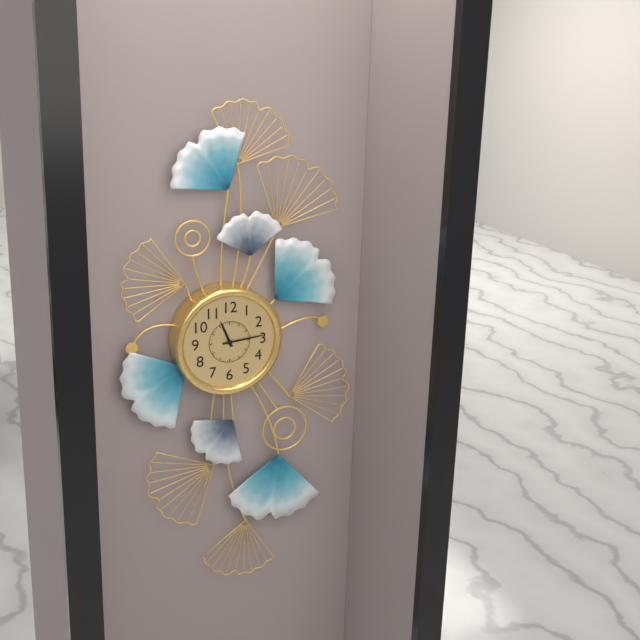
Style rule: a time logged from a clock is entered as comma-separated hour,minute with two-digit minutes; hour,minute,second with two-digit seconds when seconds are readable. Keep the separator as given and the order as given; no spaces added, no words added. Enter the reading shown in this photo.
11,14
